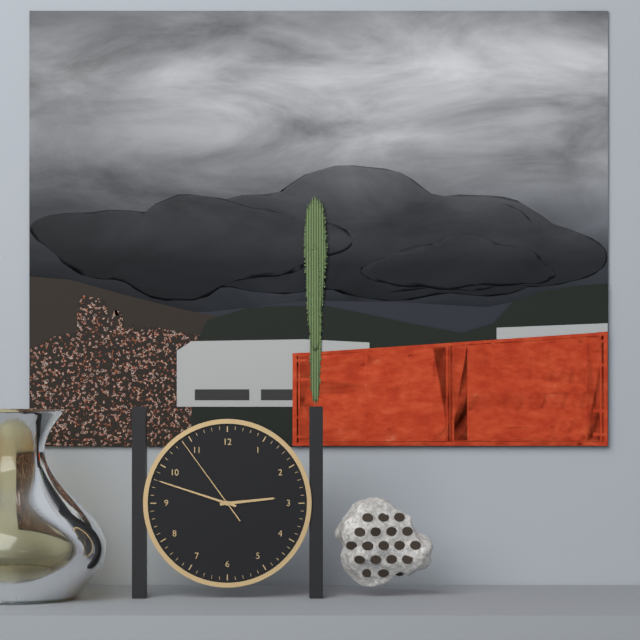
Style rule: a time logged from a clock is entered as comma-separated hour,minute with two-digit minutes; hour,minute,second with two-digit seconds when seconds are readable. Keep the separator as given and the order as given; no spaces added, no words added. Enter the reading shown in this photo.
2,48,54
